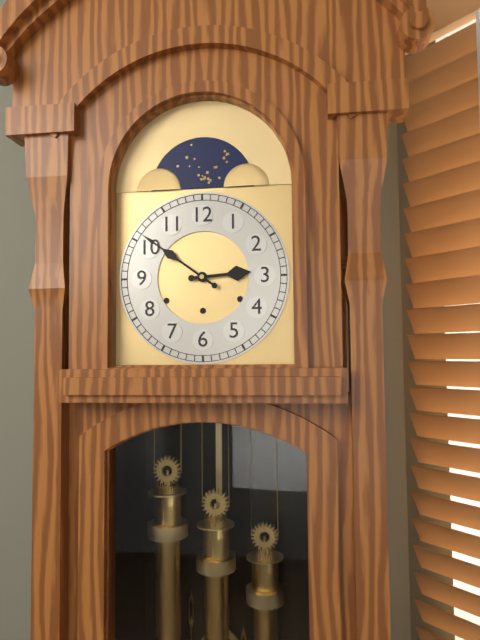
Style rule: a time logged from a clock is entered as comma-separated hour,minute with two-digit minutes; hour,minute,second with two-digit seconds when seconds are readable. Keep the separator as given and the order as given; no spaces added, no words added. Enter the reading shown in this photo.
2,51
